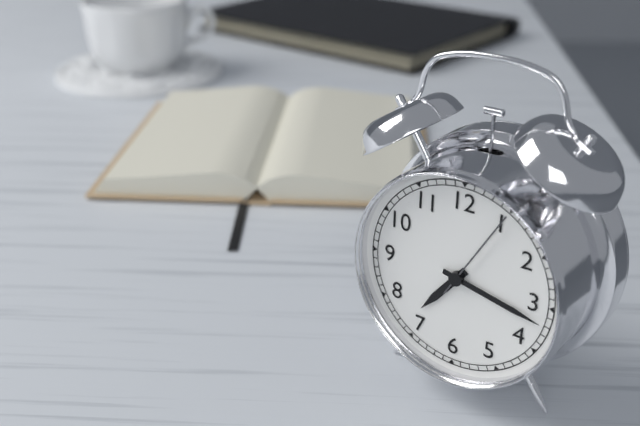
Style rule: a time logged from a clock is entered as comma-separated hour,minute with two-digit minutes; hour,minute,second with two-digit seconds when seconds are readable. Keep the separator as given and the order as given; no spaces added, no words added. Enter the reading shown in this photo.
7,17,05
